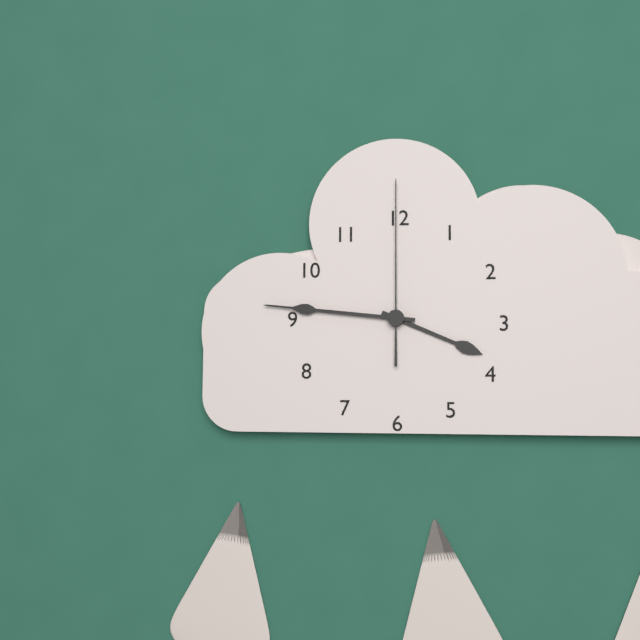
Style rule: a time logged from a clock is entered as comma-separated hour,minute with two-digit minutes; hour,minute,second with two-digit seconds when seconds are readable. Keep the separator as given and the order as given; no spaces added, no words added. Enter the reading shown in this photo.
3,46,00
